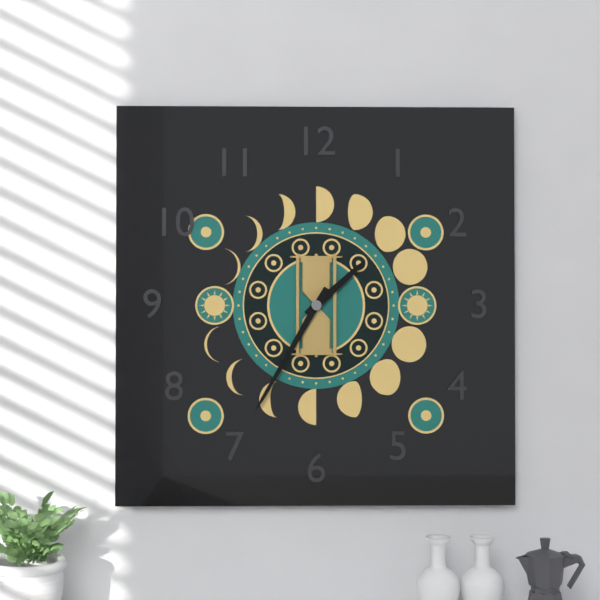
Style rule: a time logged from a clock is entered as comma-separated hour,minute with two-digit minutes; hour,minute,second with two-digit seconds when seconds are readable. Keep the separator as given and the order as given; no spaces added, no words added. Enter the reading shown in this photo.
1,35
